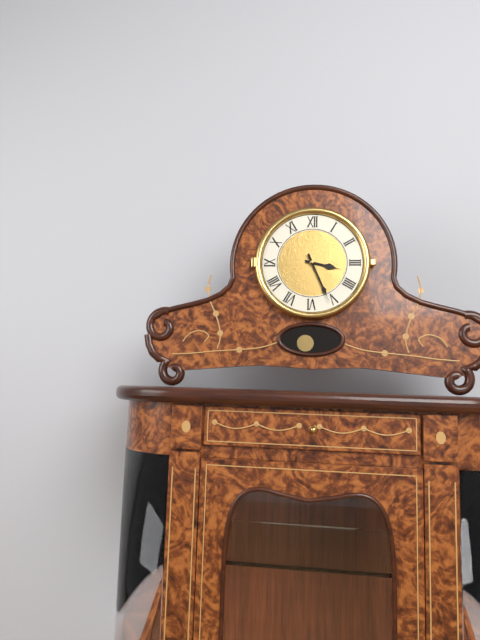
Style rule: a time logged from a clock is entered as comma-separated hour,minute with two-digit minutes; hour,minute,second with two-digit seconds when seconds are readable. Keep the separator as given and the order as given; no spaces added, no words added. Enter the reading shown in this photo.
3,26
